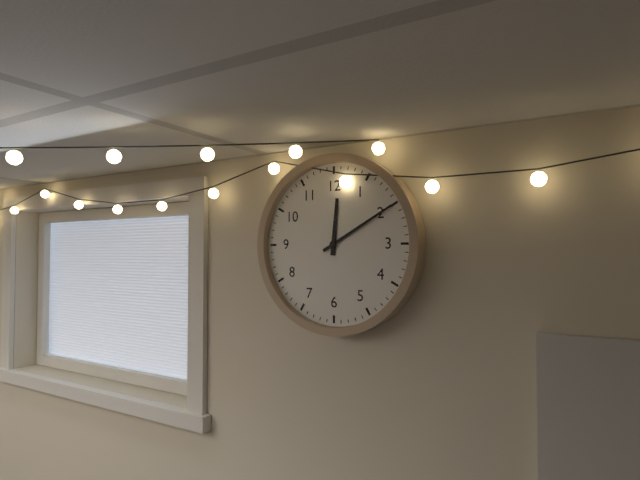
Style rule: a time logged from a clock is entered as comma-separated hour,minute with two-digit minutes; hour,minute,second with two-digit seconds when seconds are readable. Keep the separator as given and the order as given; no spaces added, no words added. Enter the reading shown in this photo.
12,10
